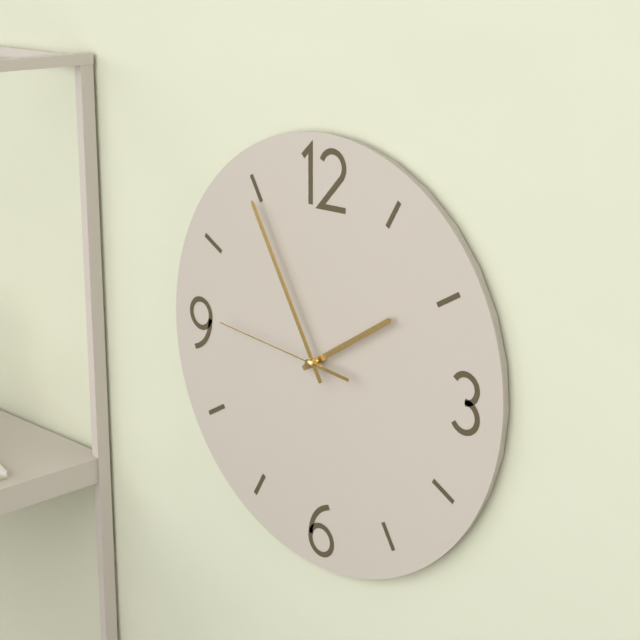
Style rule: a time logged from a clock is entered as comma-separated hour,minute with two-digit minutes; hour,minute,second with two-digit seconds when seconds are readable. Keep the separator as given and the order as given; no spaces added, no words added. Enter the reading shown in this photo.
1,55,46
